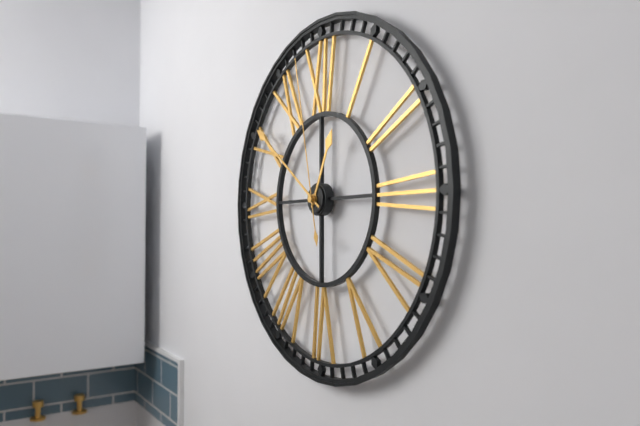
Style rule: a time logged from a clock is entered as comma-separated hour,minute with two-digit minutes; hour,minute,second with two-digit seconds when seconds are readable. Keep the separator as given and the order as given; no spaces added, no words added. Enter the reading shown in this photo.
12,51,58
